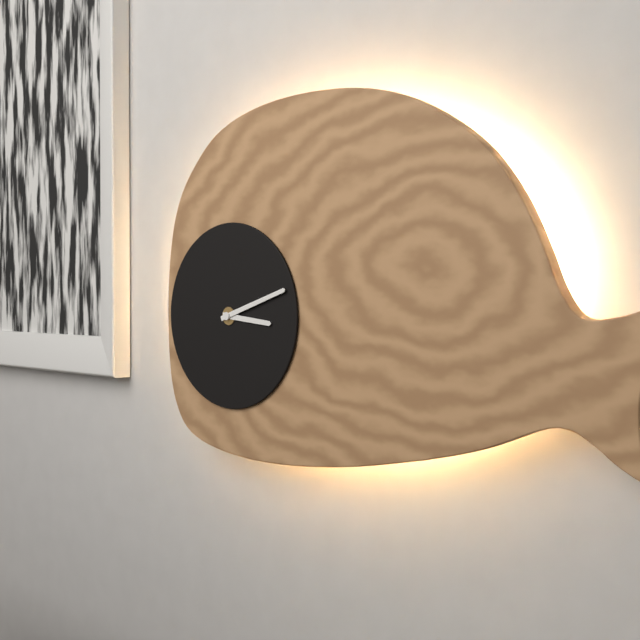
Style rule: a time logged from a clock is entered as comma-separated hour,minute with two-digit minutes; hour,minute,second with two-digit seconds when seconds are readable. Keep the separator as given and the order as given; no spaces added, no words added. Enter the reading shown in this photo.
3,12
